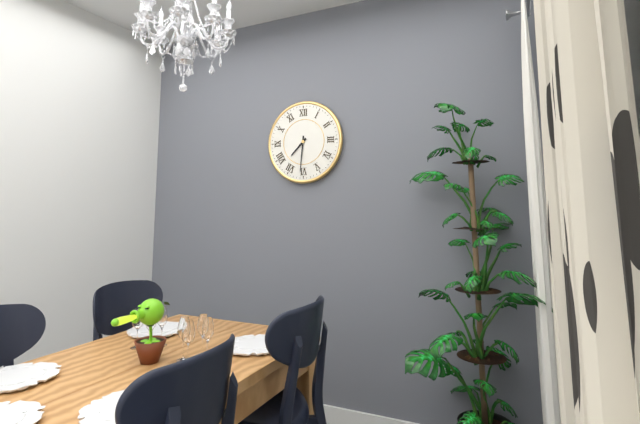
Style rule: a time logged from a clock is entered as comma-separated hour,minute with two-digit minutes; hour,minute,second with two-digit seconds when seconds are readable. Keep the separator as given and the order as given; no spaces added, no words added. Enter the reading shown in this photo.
7,31
